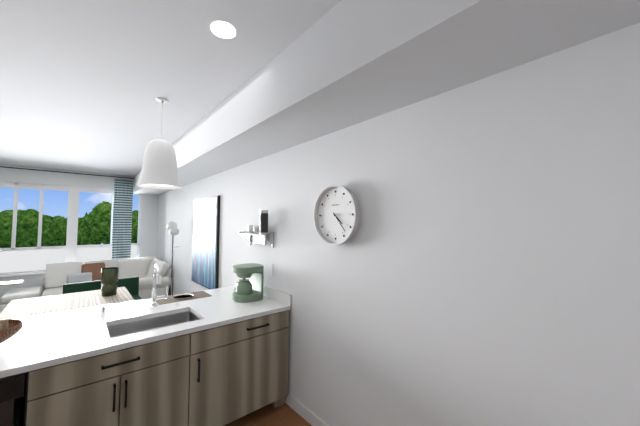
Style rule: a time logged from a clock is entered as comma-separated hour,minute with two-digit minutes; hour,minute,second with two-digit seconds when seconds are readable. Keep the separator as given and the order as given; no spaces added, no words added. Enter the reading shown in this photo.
4,23
